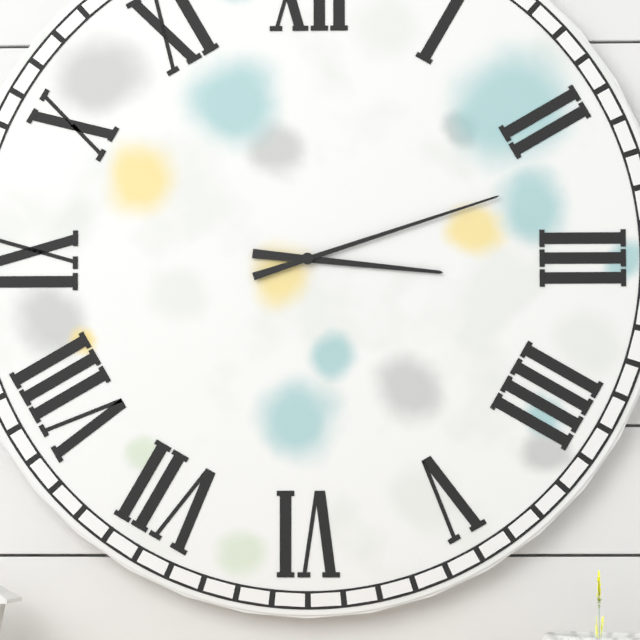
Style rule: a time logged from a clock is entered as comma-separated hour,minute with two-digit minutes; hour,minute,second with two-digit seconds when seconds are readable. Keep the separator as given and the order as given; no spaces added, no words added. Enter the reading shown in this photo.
3,12
